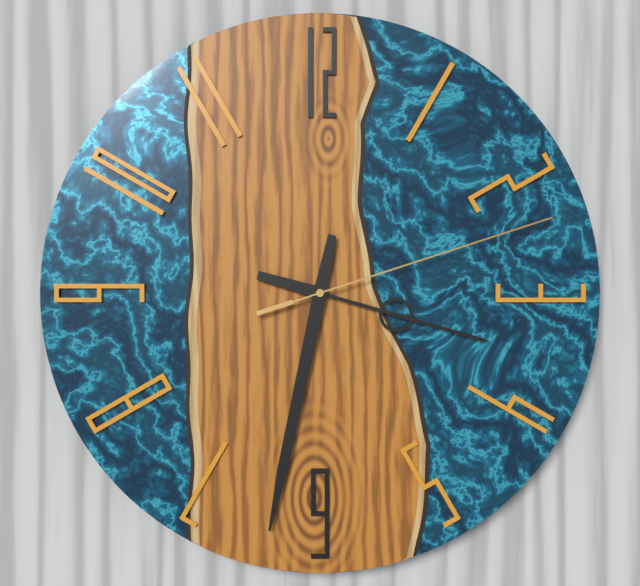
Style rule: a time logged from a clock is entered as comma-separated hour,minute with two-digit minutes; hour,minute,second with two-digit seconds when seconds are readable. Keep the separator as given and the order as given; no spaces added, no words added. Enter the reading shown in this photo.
3,32,12
